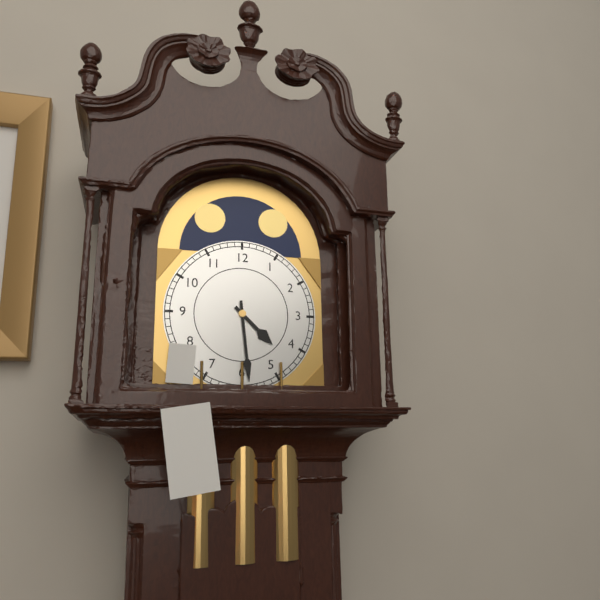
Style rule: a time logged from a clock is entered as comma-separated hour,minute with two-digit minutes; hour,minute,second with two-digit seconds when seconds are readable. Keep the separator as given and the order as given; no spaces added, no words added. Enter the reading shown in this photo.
4,29
